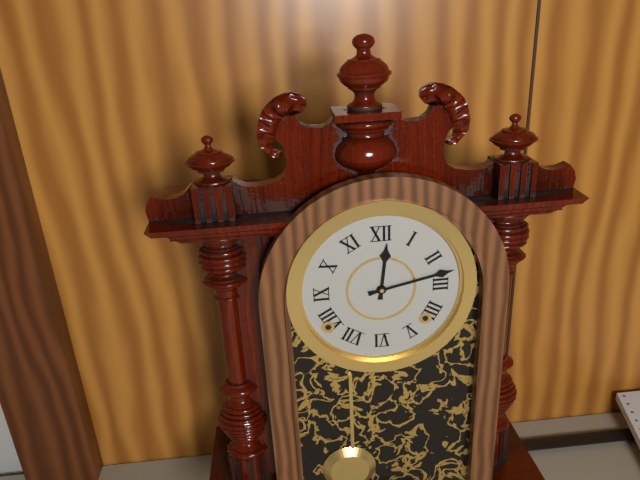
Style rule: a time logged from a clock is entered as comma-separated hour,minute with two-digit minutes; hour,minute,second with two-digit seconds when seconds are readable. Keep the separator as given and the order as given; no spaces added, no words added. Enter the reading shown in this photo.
12,13
